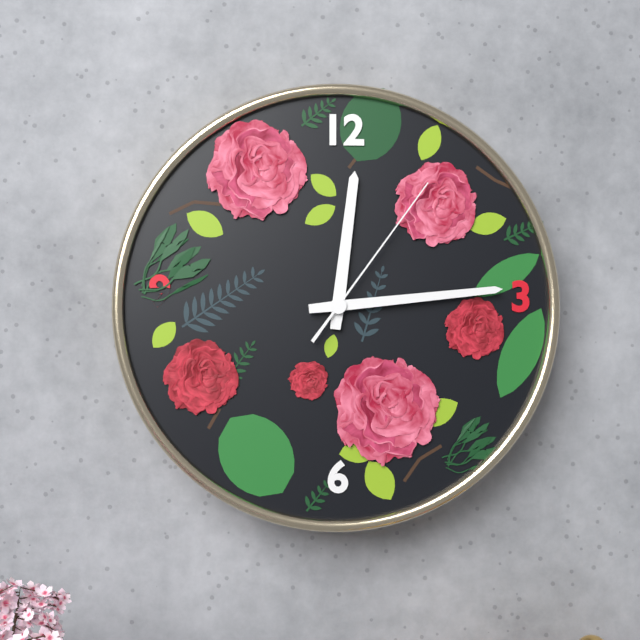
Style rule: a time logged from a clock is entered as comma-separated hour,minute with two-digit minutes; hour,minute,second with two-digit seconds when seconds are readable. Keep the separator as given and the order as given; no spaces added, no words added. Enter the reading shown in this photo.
12,14,06
